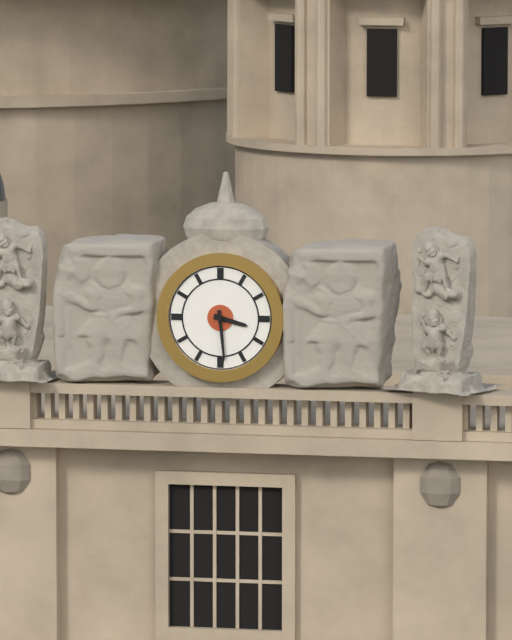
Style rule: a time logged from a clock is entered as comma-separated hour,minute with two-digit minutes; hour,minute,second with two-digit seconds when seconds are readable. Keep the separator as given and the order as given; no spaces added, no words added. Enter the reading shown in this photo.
3,29
